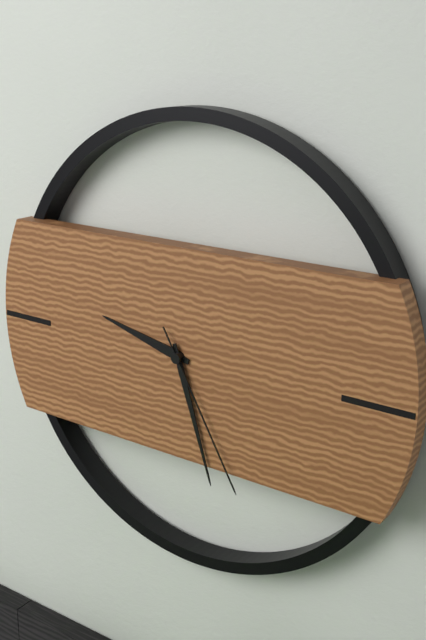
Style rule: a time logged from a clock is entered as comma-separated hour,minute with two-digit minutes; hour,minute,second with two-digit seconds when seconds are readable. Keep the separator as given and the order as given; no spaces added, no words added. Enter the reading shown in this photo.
9,27,25
